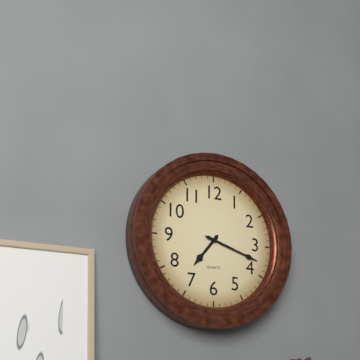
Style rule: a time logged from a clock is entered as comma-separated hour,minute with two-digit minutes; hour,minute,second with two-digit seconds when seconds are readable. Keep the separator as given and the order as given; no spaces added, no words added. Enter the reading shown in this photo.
7,18
